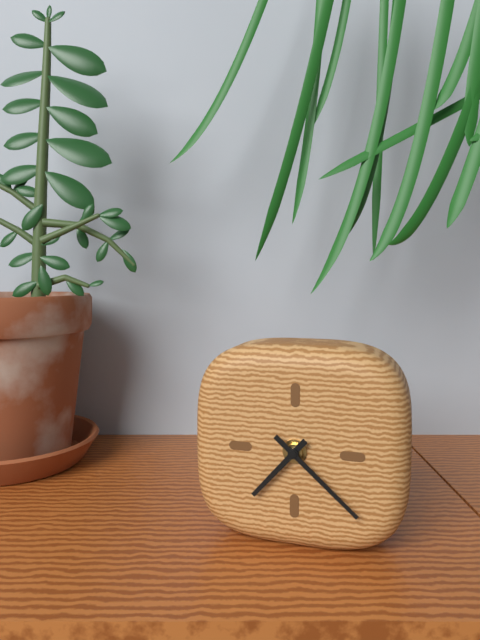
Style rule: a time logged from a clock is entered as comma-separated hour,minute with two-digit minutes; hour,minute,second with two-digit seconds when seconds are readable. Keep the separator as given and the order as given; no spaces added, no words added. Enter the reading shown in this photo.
7,22
